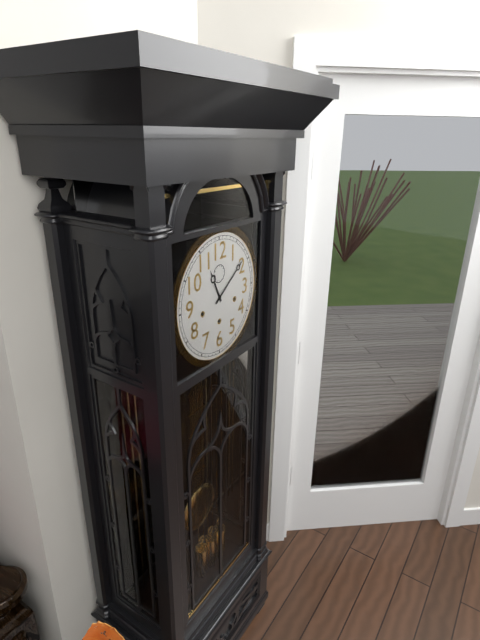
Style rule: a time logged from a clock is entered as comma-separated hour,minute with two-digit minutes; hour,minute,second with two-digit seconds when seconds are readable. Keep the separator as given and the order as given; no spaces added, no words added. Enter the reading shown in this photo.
11,09
